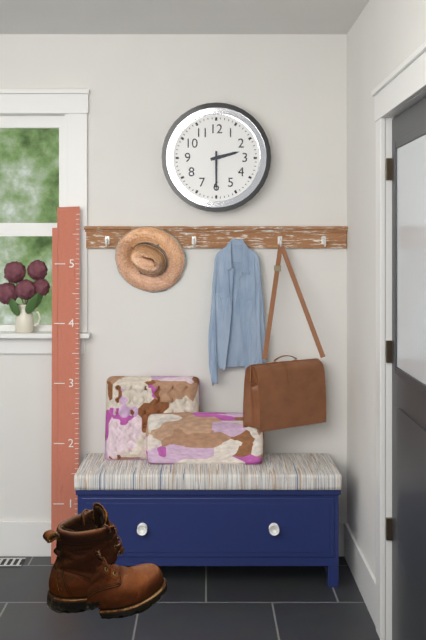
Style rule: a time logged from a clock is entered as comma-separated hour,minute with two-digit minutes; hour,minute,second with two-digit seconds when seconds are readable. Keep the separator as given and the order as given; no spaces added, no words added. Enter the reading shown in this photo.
2,30
